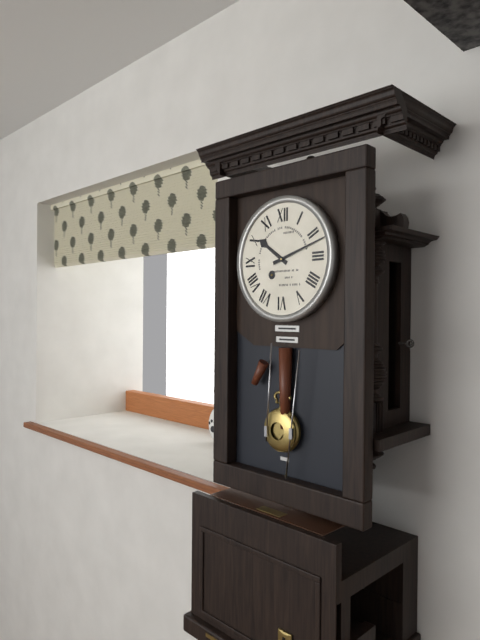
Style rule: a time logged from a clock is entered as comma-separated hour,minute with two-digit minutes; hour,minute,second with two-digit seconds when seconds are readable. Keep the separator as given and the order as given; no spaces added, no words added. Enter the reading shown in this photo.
10,12
